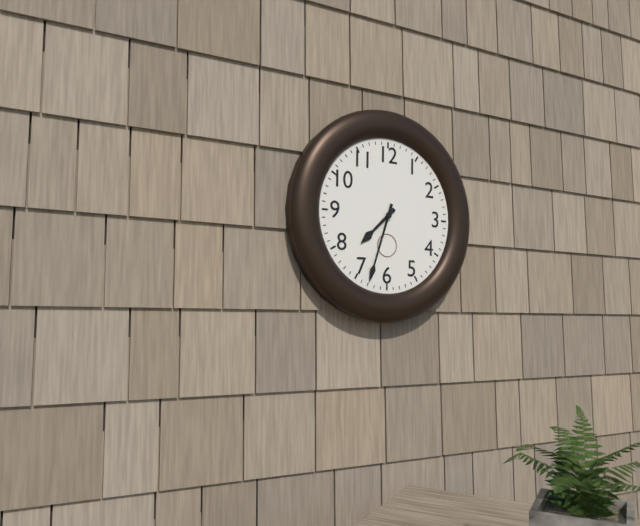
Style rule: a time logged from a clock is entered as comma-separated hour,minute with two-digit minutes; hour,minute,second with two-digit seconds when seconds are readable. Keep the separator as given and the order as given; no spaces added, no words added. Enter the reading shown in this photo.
7,33
